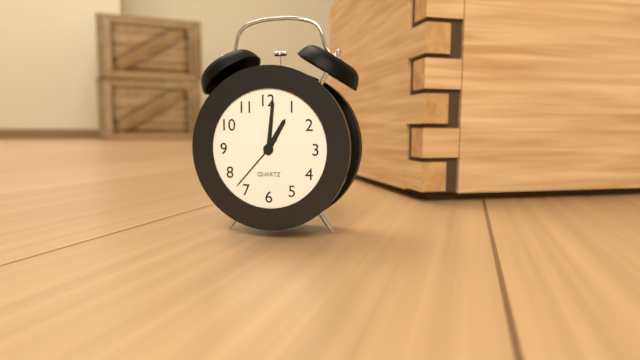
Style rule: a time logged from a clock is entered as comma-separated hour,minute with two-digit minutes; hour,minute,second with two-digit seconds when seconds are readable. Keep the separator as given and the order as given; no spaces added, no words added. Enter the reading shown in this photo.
1,01,37
